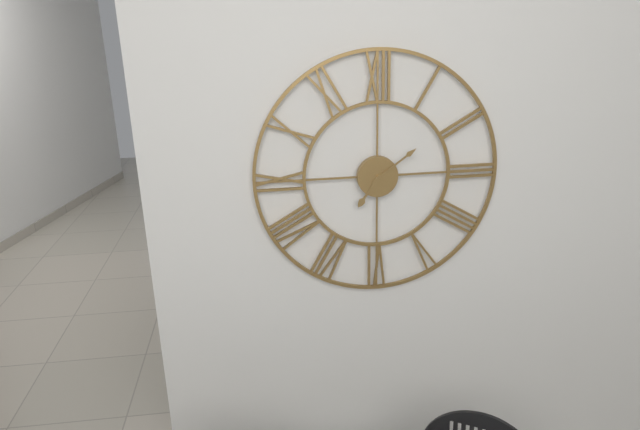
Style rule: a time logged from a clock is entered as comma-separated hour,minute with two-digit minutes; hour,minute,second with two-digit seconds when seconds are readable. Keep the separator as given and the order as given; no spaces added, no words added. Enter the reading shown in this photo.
7,09
